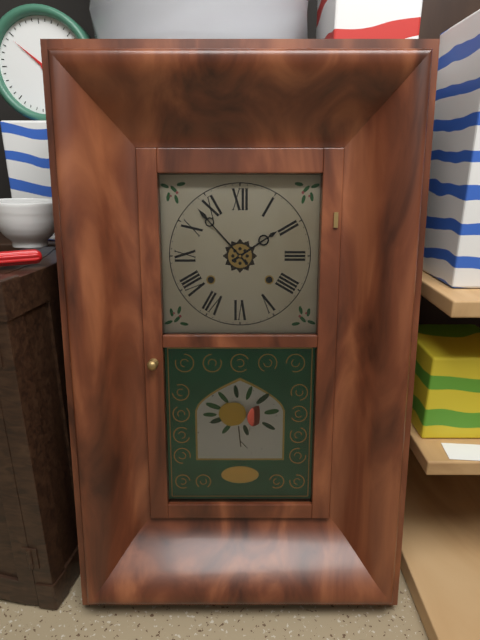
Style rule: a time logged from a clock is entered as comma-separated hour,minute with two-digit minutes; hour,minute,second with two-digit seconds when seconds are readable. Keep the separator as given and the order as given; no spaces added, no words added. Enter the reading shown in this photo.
1,53
